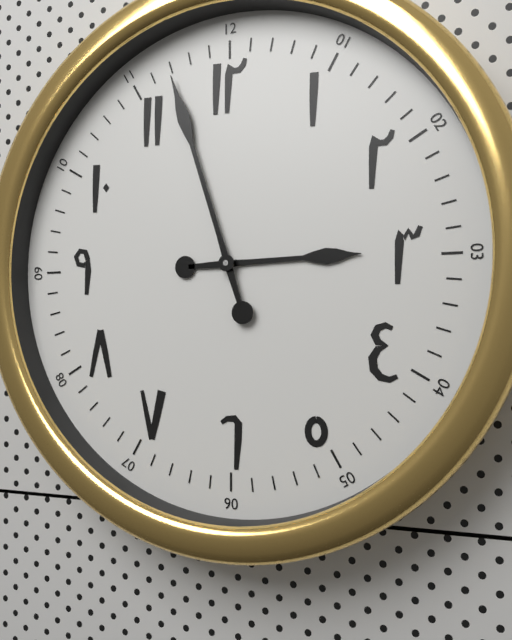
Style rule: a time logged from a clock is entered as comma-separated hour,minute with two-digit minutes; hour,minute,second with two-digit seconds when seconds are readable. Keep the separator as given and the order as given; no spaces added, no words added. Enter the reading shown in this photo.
2,57
